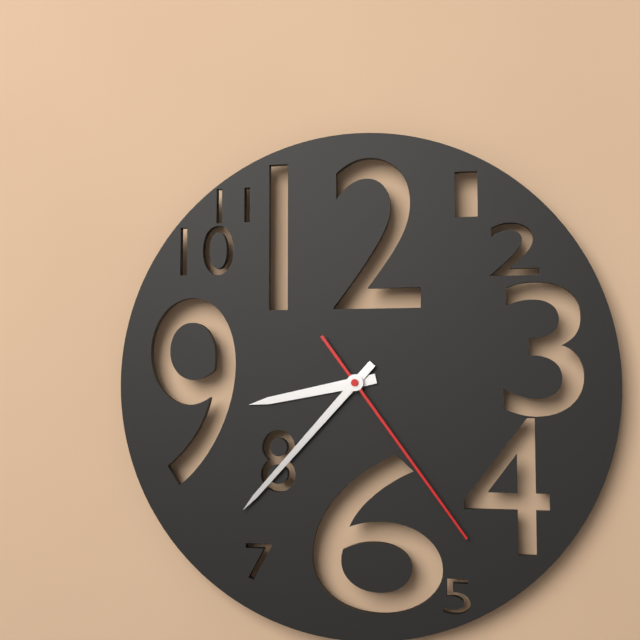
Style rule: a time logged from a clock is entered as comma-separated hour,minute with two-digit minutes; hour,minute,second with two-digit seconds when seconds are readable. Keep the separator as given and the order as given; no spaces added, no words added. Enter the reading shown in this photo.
8,37,24
